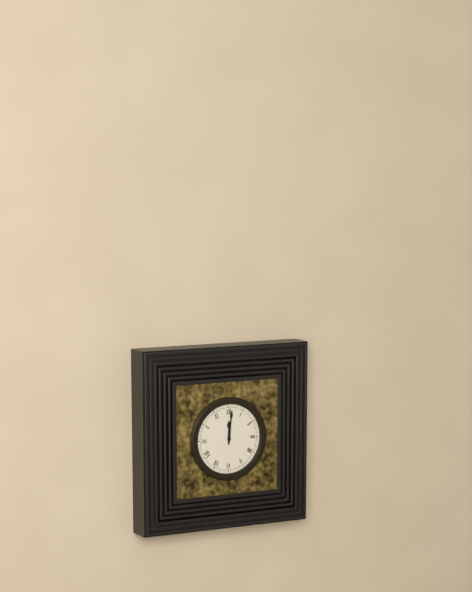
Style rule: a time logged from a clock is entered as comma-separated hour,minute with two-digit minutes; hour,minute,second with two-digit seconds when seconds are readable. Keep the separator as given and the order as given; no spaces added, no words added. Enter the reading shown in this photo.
12,01
